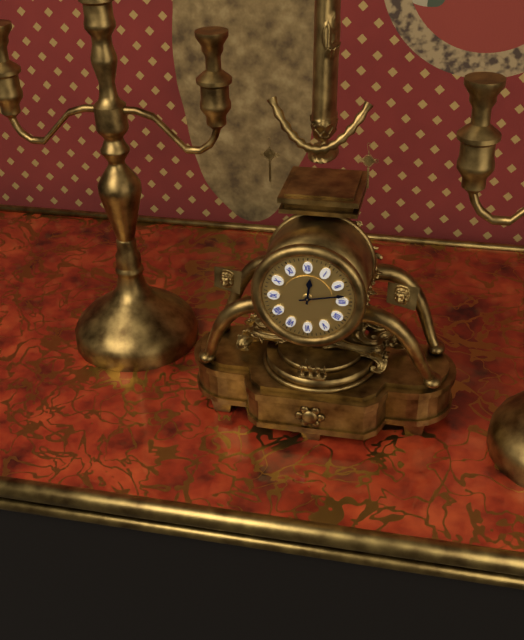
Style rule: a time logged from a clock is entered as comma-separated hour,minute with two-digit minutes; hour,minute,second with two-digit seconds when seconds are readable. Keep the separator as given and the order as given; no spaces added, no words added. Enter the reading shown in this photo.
12,13
